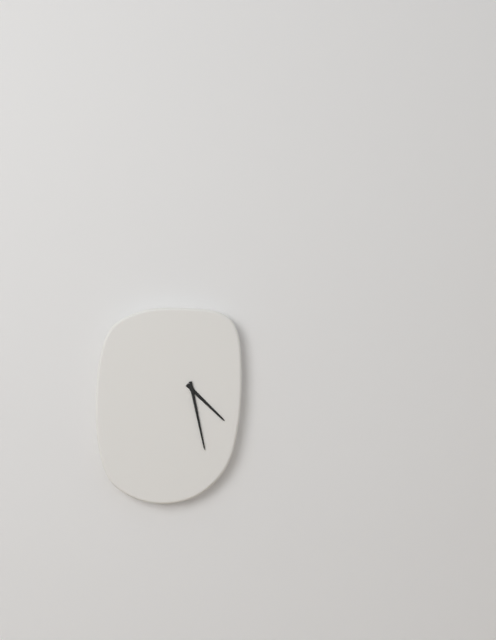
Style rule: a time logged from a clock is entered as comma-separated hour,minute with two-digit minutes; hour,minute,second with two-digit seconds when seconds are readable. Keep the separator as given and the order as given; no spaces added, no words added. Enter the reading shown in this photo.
4,28
